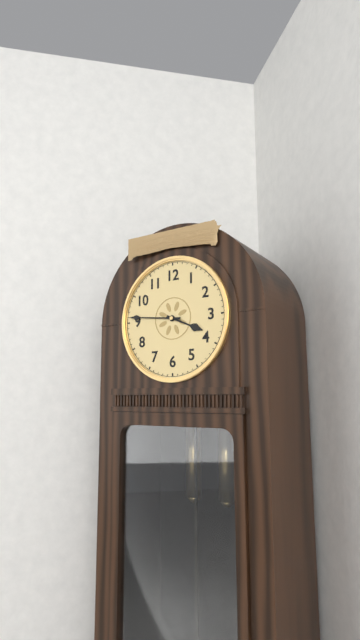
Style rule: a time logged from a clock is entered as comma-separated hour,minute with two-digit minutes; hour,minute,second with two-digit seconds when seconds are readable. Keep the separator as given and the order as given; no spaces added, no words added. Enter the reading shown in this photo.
3,46
